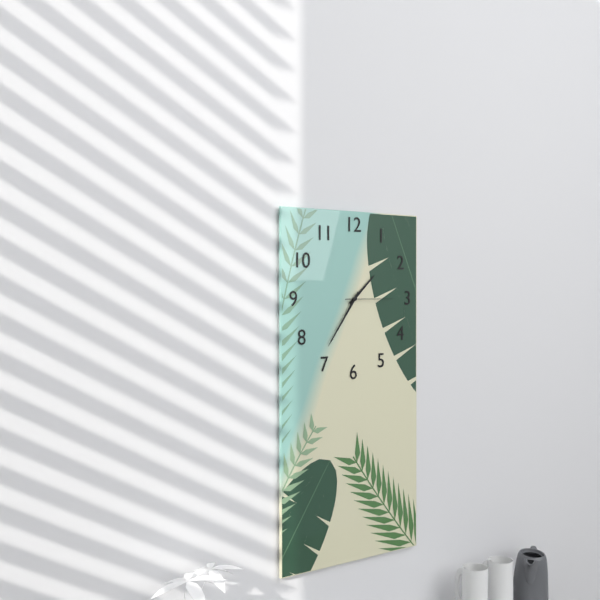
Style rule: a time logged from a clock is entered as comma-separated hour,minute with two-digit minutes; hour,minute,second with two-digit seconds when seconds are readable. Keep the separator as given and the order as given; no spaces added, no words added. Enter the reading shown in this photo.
1,36,15
